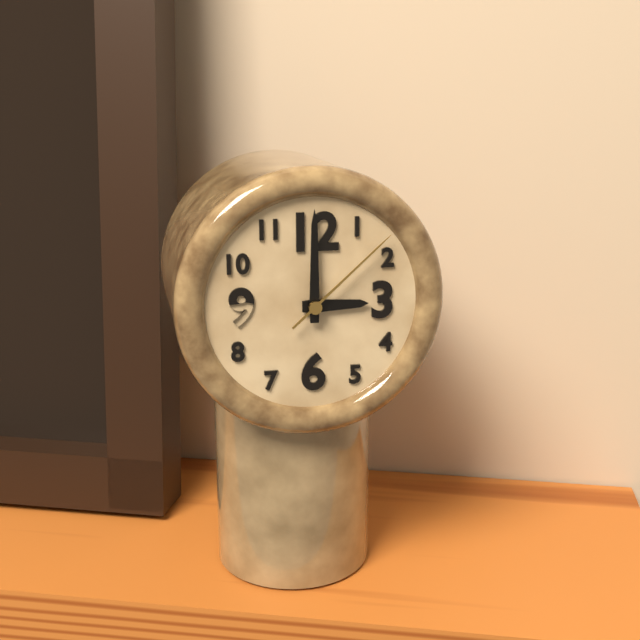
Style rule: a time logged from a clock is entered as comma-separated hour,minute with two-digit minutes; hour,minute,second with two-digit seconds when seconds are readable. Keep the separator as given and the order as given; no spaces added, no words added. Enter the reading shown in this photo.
3,00,08
